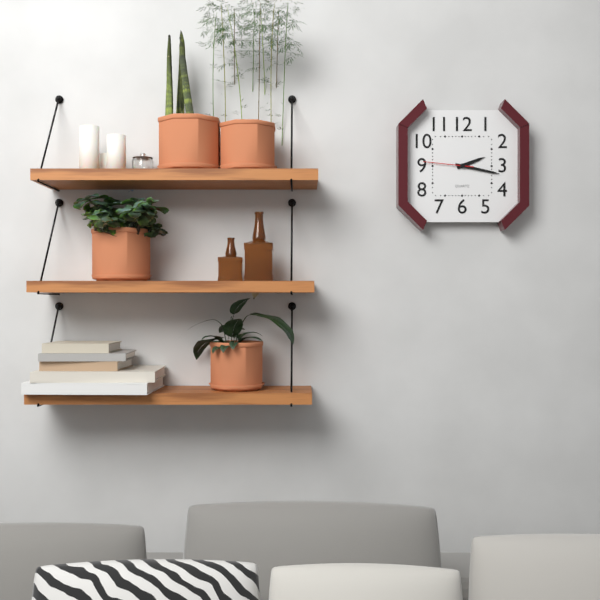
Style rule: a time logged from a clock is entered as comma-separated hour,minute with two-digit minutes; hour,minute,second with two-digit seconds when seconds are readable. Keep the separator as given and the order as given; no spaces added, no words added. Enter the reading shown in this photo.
2,17
